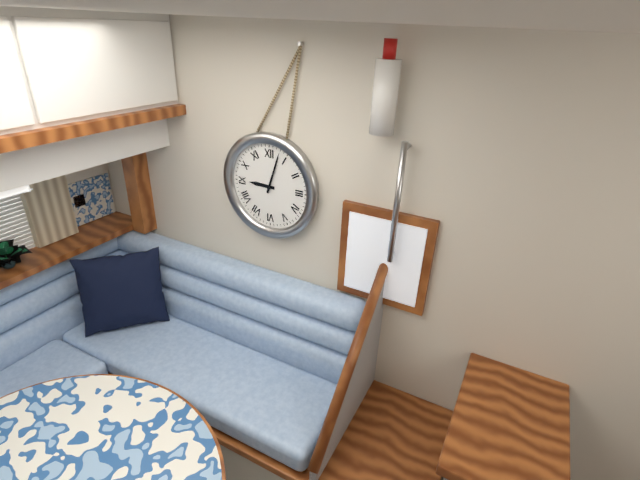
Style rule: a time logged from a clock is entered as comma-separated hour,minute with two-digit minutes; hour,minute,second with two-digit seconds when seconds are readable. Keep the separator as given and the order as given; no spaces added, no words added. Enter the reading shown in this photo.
9,03
